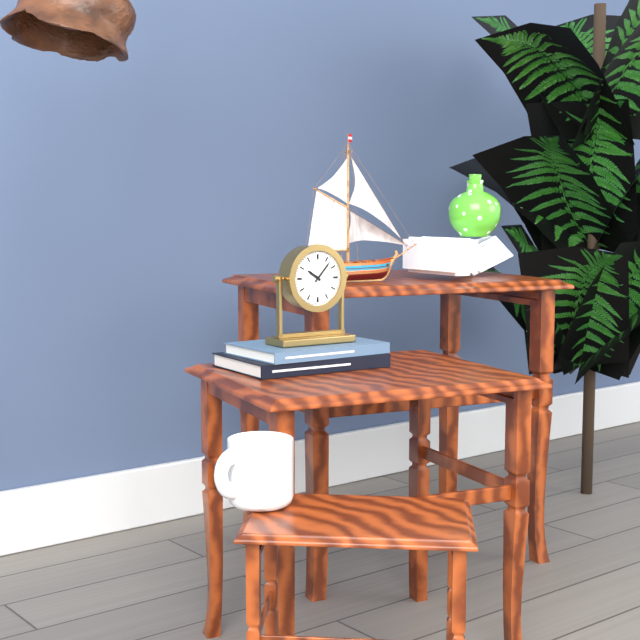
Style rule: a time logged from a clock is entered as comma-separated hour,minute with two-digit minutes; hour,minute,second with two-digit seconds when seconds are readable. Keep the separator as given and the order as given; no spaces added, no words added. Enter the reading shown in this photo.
10,07
